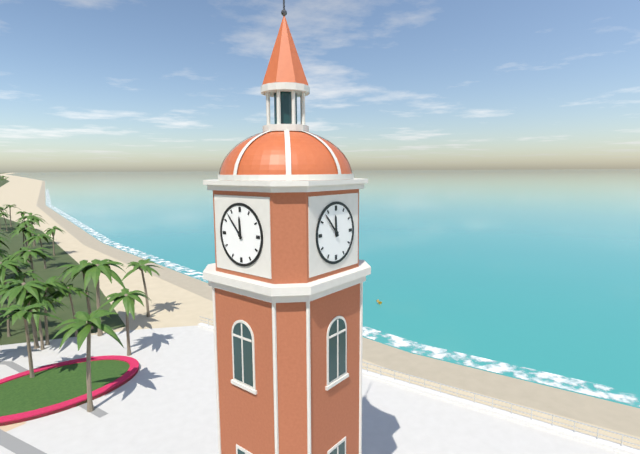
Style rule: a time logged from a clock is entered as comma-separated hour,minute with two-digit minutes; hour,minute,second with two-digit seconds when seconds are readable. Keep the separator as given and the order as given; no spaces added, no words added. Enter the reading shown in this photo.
11,53
